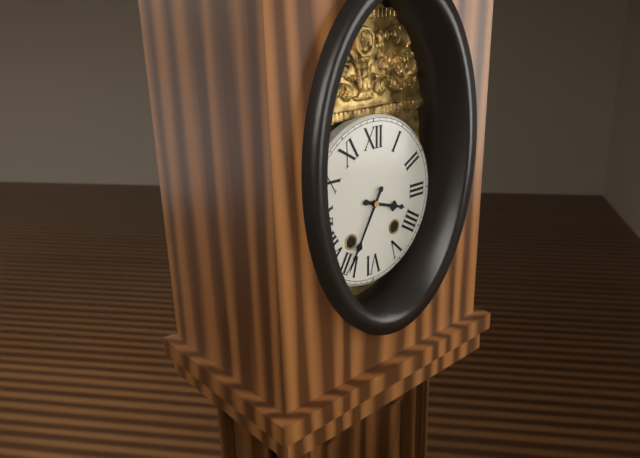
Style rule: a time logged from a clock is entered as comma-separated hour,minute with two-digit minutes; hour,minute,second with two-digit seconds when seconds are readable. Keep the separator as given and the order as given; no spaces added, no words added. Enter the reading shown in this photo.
3,35
